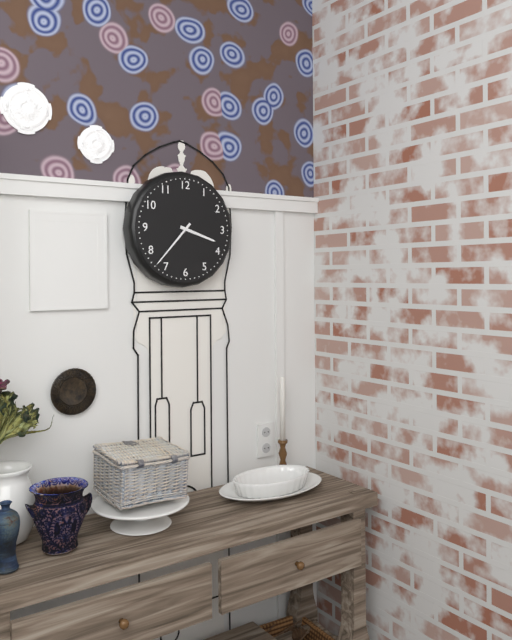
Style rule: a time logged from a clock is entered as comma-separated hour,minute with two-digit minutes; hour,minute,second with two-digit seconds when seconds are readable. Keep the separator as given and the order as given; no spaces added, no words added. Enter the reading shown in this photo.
3,37
